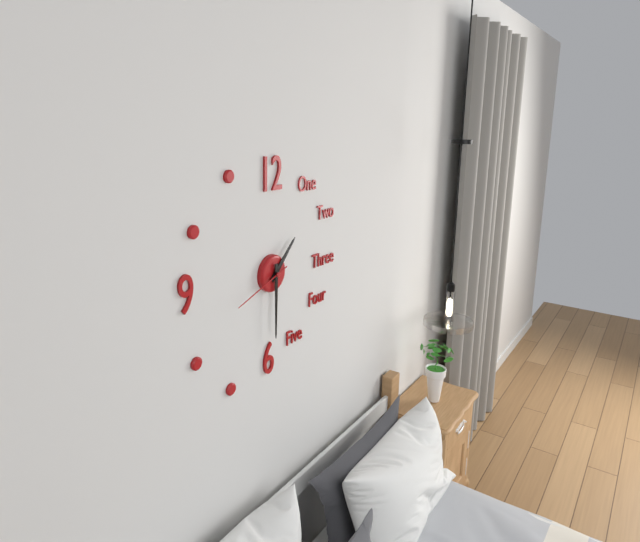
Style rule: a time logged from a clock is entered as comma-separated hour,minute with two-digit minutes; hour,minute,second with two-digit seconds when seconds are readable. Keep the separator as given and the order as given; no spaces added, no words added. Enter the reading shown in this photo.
1,30,42
